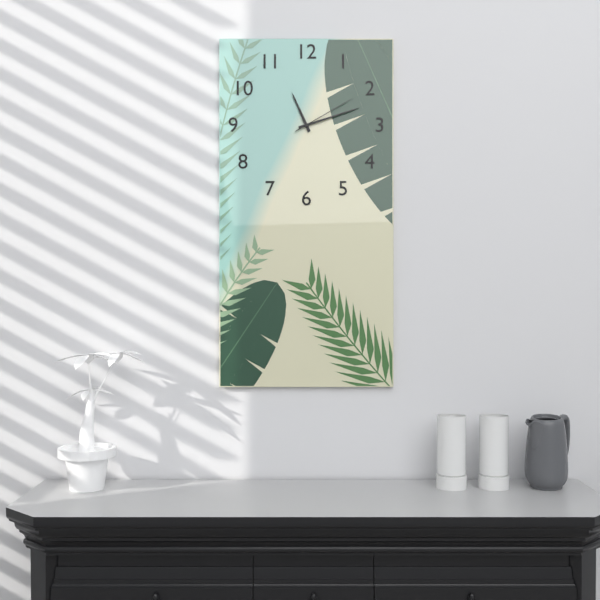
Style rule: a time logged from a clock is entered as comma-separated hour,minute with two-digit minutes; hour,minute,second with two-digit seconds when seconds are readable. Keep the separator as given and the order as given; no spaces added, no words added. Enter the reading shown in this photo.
11,12,10
